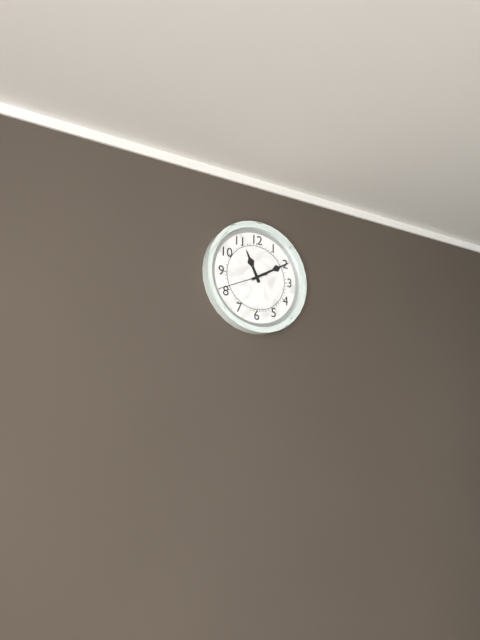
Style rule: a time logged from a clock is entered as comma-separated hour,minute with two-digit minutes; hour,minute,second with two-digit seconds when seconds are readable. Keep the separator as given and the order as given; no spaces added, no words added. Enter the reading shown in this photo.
11,10
